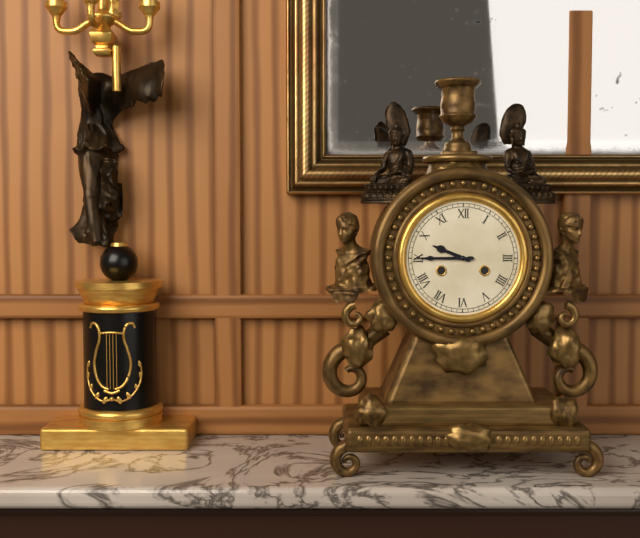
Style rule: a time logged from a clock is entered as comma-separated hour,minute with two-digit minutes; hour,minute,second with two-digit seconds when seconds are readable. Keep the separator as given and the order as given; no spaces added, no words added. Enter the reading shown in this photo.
9,45
